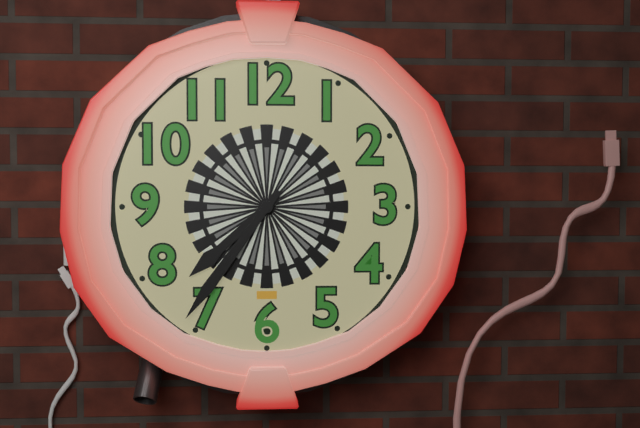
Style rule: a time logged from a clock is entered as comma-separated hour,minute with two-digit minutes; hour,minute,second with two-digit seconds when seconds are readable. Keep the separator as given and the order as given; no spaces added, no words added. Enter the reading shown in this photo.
7,36
